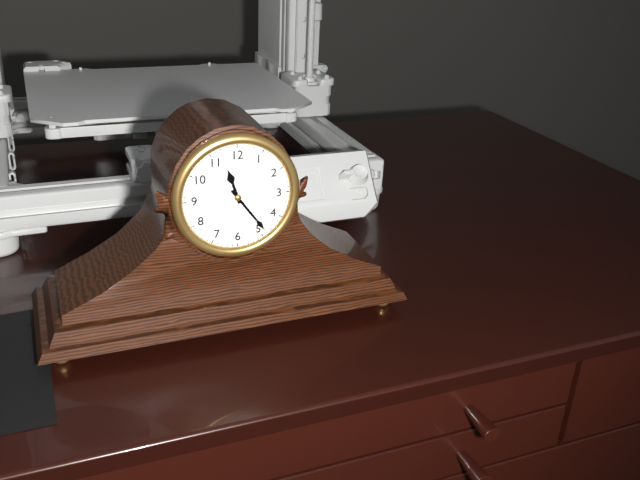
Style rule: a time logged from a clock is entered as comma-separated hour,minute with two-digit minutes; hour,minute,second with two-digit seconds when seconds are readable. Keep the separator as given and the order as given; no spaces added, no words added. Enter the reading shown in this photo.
11,24
